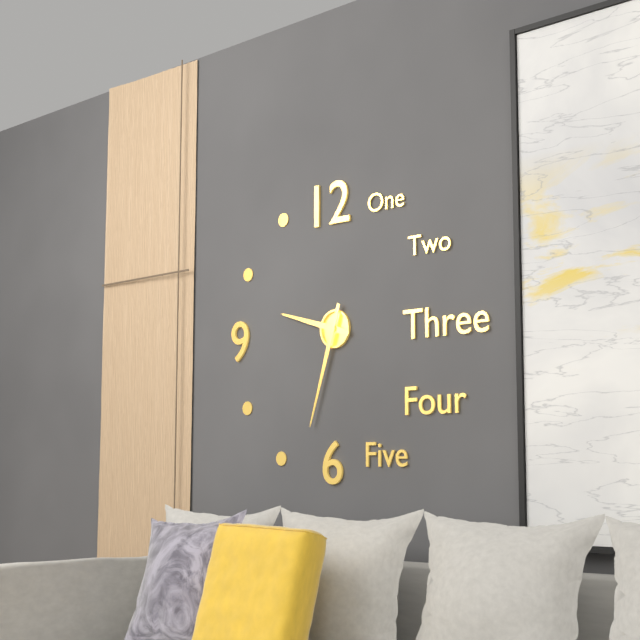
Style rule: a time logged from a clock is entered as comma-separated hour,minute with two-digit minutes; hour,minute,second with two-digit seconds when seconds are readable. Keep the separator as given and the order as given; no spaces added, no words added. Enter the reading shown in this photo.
9,33
